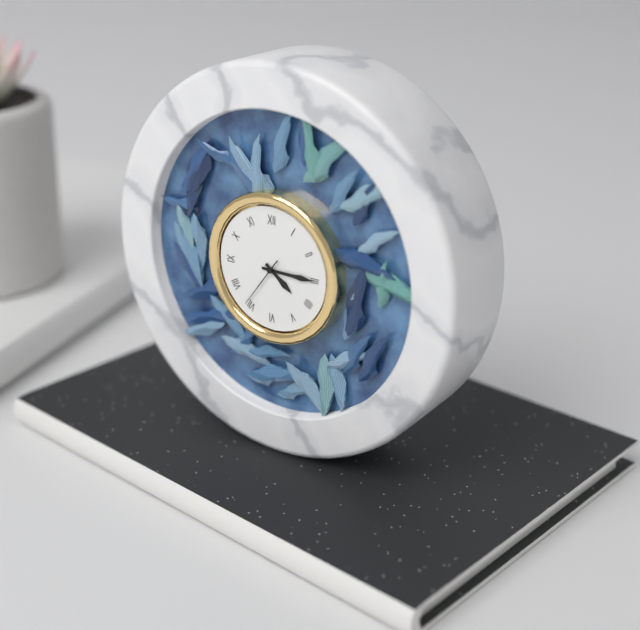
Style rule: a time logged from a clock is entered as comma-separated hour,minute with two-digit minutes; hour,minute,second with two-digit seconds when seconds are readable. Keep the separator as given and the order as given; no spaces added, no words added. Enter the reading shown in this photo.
4,15,36
